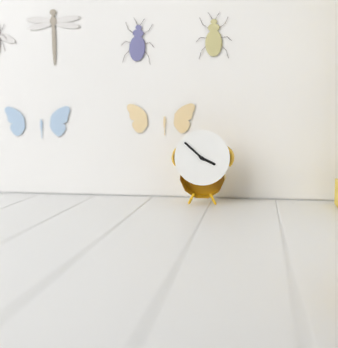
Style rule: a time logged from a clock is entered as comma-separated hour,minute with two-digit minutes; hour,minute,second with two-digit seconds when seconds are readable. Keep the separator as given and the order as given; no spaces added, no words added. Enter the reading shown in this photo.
3,52
